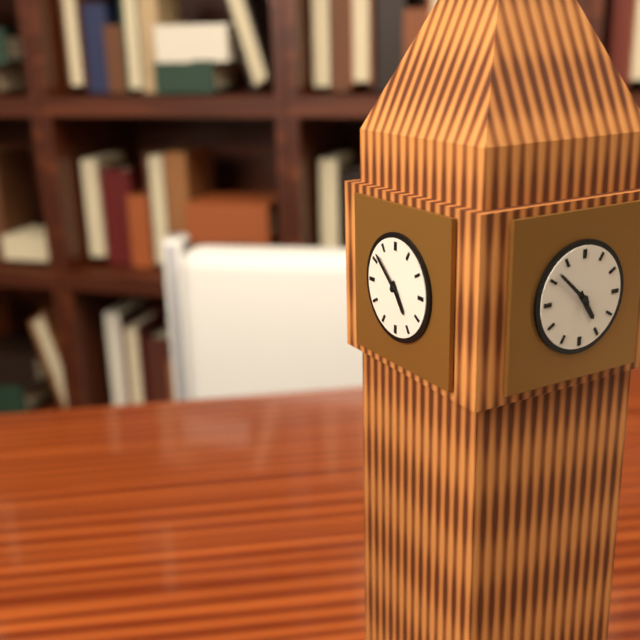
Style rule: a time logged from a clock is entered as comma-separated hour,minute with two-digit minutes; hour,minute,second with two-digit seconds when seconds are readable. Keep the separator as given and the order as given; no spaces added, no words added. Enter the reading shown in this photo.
4,52
